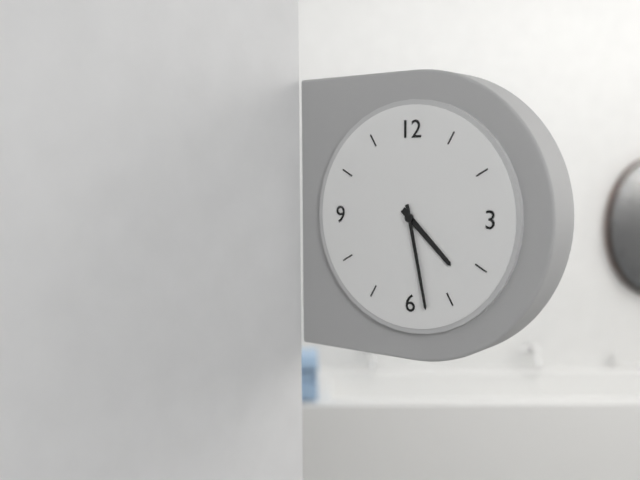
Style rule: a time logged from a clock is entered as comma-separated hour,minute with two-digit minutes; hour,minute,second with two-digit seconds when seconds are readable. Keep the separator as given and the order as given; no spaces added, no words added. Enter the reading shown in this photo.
4,28
